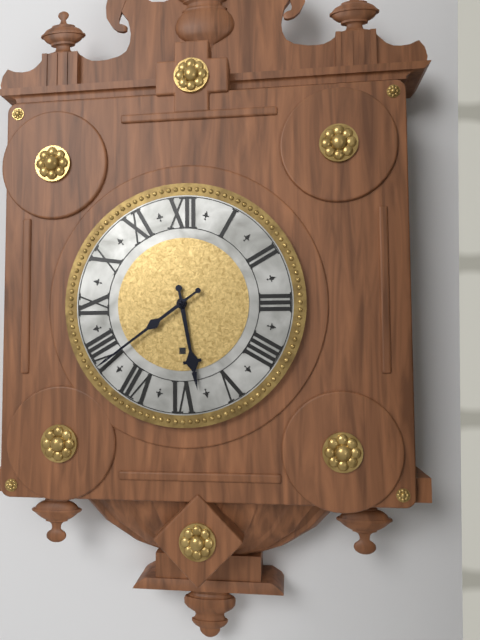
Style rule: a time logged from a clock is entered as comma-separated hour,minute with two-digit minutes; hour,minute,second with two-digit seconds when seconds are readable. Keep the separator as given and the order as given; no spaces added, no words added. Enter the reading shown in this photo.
5,39
